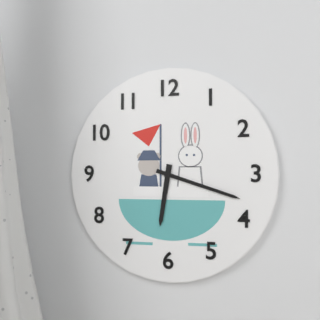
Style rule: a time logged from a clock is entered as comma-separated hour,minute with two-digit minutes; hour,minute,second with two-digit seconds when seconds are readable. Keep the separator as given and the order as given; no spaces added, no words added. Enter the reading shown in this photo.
6,18
